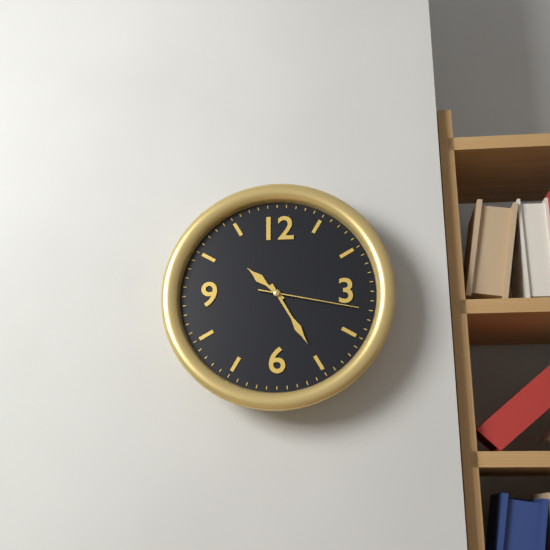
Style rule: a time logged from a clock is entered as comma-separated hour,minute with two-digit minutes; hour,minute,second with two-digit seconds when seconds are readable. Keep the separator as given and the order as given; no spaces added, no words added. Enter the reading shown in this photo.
10,25,17
